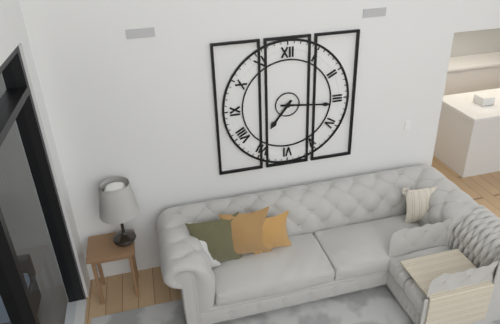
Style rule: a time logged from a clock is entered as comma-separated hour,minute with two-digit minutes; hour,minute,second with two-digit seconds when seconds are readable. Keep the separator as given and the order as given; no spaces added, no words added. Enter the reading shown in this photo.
7,16
